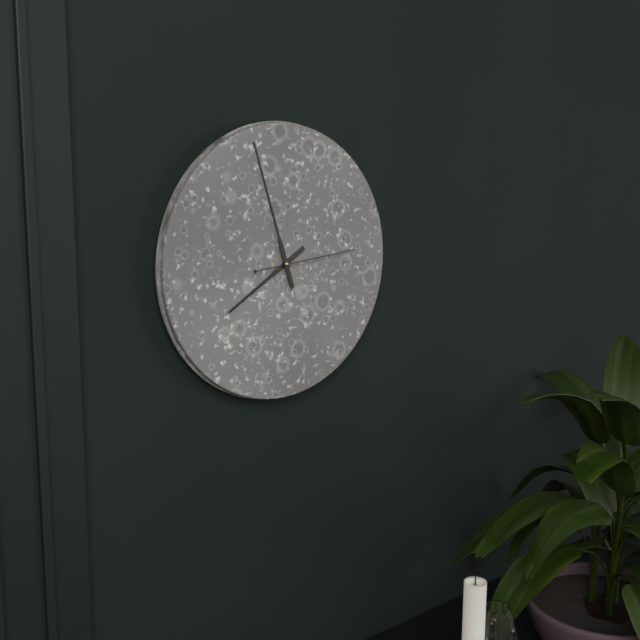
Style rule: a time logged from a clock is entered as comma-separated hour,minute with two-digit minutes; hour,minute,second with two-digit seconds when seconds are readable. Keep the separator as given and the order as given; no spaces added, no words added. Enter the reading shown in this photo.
7,57,14
